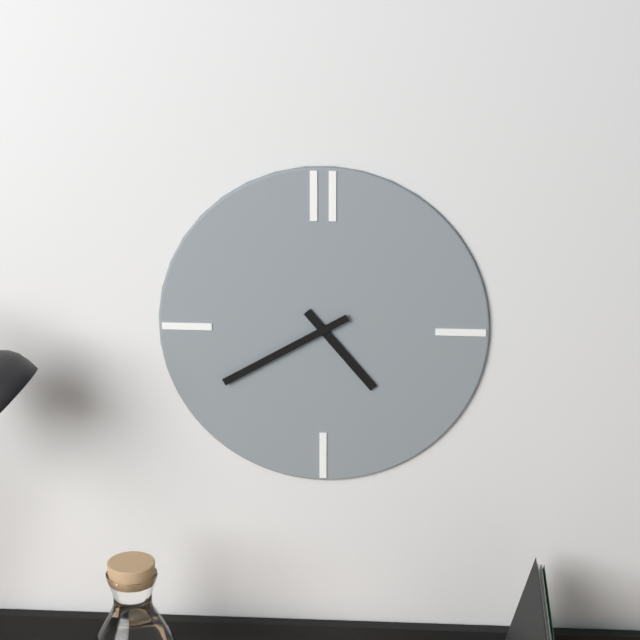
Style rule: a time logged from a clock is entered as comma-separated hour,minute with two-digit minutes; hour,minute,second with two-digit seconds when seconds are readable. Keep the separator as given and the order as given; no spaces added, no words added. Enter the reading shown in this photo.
4,40
